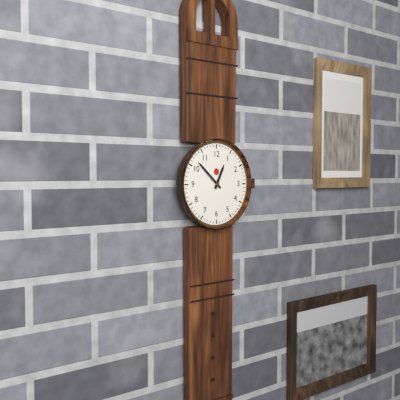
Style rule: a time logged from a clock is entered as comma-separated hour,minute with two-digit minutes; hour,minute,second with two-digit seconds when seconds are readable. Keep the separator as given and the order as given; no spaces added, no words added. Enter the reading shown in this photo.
12,52
